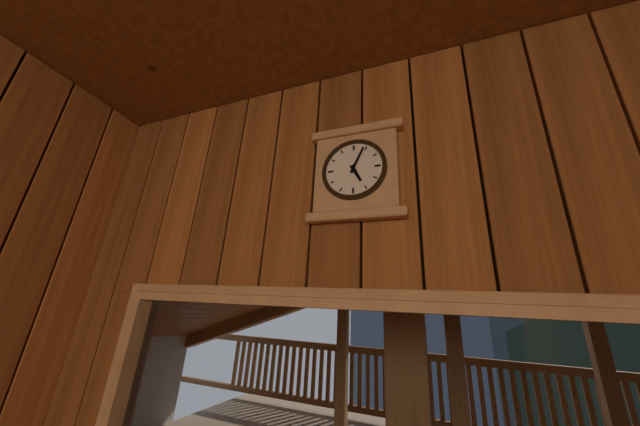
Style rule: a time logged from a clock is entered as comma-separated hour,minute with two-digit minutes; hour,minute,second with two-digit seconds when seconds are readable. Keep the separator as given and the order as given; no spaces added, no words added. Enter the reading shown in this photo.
5,04
